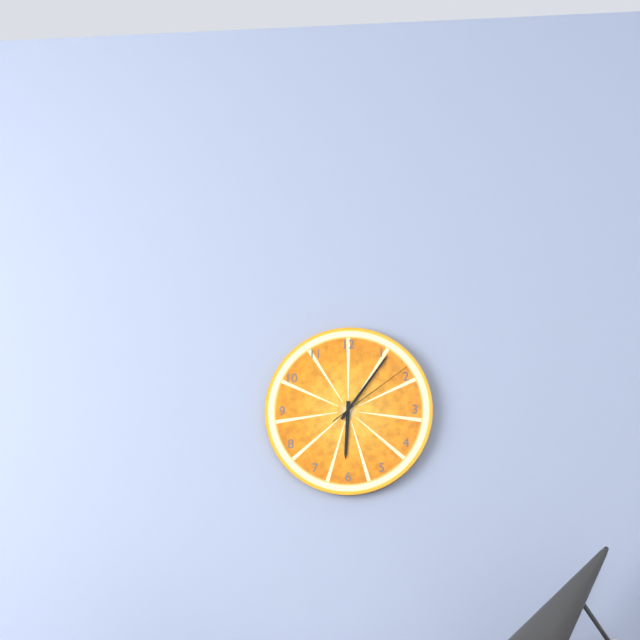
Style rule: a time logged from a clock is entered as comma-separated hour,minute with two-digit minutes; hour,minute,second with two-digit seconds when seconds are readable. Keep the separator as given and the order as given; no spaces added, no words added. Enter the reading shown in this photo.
6,06,09
